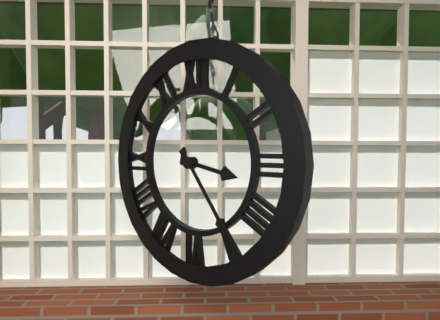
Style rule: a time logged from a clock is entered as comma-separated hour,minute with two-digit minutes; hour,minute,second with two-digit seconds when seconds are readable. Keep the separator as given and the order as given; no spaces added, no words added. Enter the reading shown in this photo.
3,24
